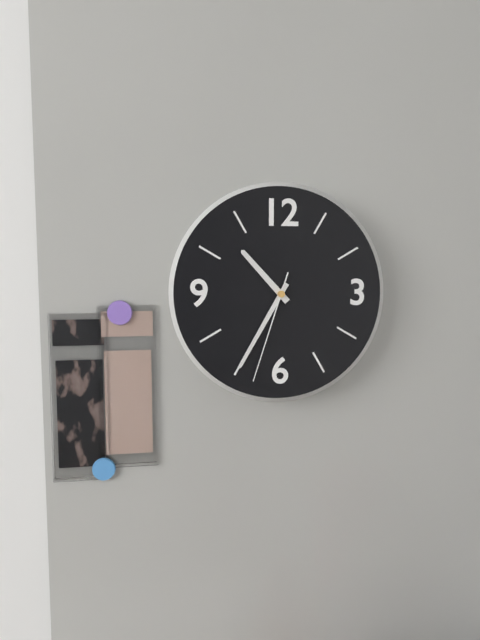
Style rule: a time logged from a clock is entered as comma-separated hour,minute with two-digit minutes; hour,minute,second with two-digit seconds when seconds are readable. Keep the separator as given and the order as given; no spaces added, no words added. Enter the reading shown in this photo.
10,35,33
